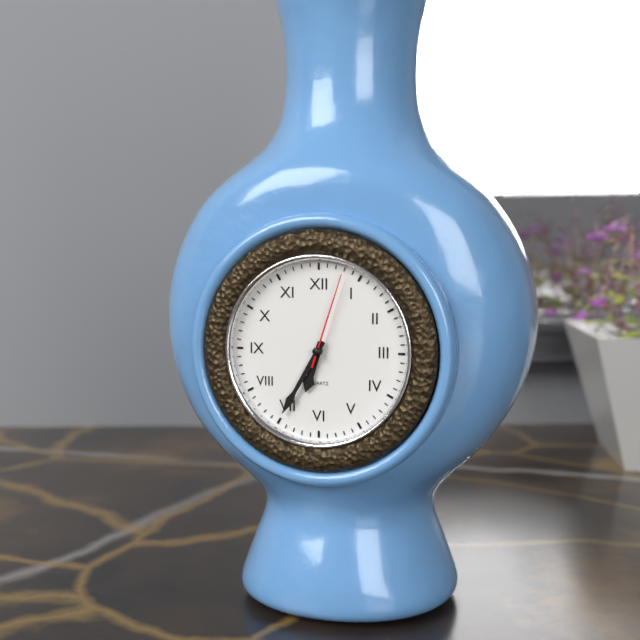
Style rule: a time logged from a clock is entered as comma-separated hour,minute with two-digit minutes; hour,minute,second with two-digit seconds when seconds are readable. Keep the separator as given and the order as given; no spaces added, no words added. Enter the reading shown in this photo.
6,35,03
